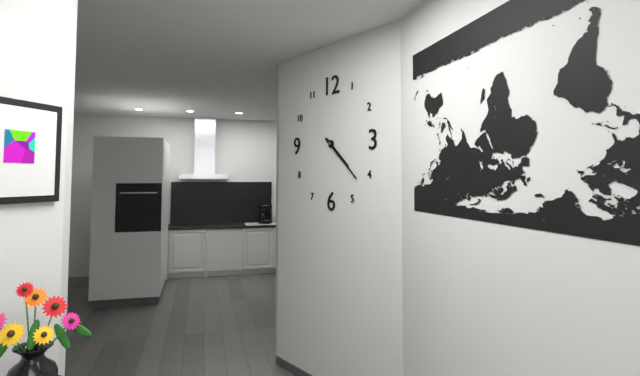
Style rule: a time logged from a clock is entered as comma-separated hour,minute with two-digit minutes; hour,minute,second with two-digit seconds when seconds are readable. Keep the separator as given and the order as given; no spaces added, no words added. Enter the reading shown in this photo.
4,22
